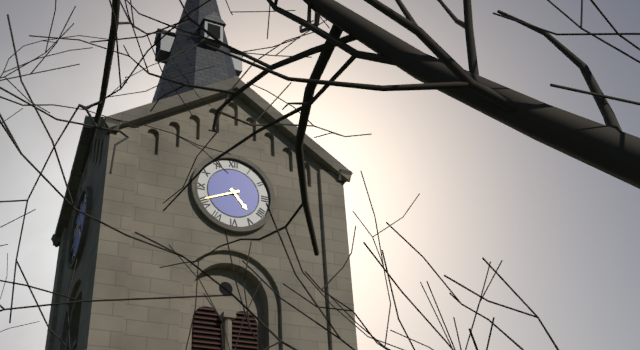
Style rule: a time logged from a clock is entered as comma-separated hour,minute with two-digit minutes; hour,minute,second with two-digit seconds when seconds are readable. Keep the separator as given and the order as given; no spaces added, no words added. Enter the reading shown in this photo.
4,41
